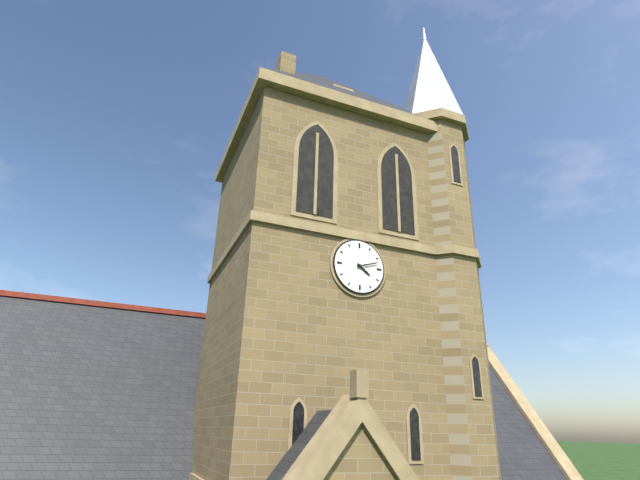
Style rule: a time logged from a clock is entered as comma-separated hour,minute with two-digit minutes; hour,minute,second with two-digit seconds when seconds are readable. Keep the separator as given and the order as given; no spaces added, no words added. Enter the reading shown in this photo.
4,12
